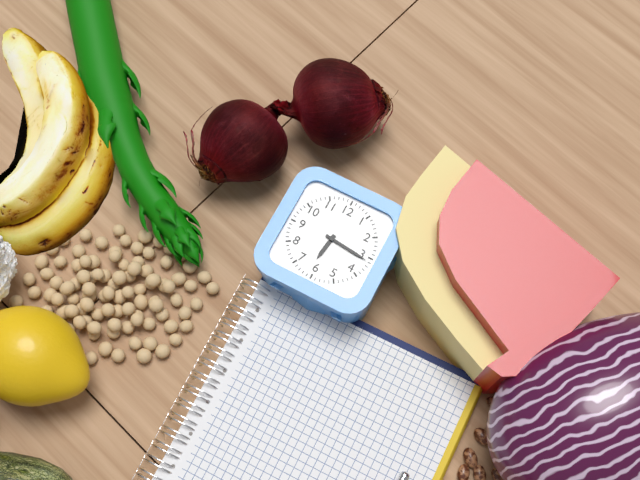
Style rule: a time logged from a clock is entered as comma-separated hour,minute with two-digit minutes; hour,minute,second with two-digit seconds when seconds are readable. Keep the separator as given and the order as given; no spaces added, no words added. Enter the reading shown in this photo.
6,16
